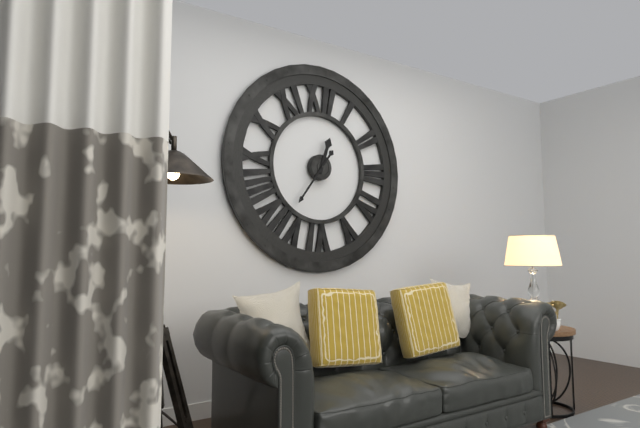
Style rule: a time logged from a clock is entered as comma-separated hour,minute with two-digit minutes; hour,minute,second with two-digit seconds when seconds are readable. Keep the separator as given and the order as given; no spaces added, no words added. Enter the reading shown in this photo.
12,36
